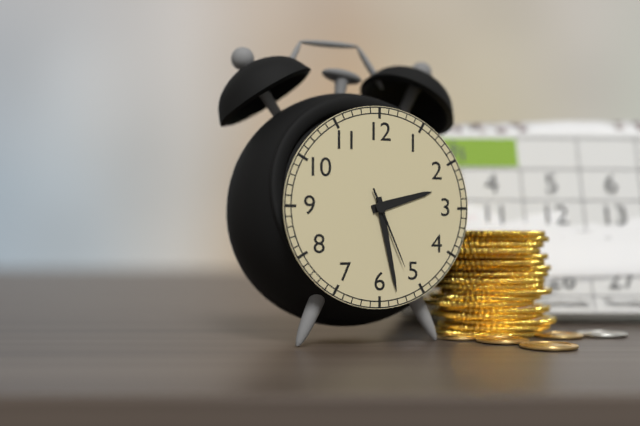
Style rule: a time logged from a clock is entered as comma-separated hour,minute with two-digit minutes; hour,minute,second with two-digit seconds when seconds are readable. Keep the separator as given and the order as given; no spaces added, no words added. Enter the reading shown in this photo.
2,28,26
